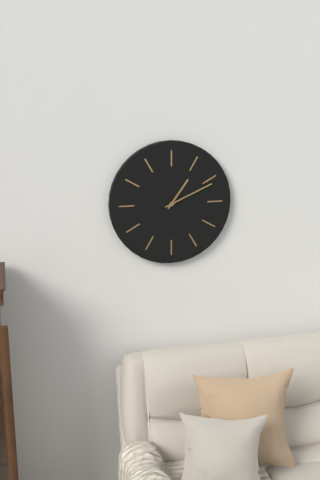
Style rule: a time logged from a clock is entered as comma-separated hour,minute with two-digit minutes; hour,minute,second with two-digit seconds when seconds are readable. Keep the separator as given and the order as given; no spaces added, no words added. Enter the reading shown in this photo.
1,11
